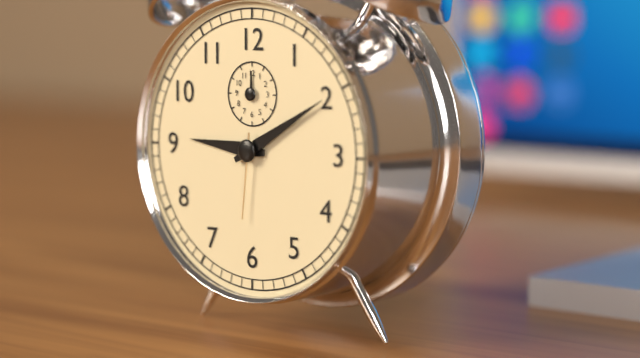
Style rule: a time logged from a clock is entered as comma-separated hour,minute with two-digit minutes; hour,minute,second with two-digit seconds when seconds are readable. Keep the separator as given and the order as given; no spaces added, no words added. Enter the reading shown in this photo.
9,10,31
